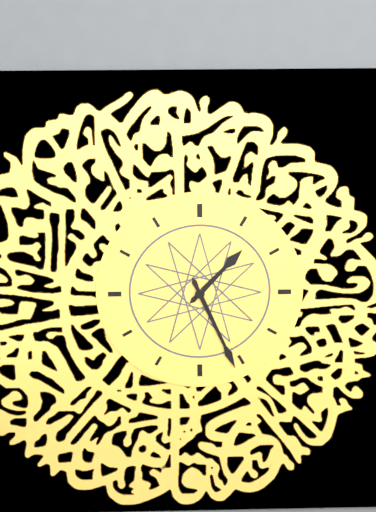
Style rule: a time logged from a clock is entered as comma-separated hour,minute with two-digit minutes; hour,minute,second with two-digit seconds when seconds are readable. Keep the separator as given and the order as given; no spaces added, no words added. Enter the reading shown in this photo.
1,26
